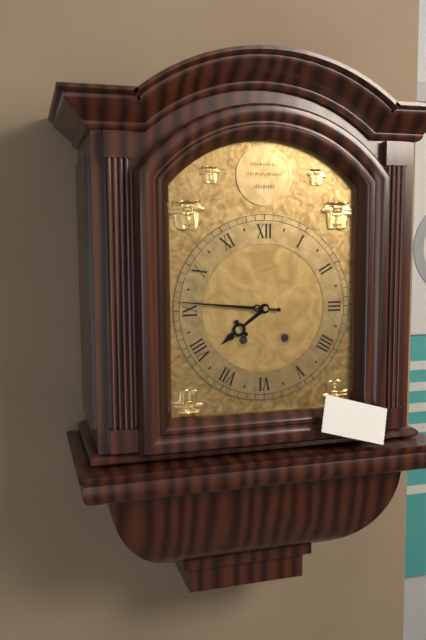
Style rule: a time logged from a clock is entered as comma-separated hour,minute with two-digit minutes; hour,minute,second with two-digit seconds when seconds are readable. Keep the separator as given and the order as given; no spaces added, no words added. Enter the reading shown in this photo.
7,46
